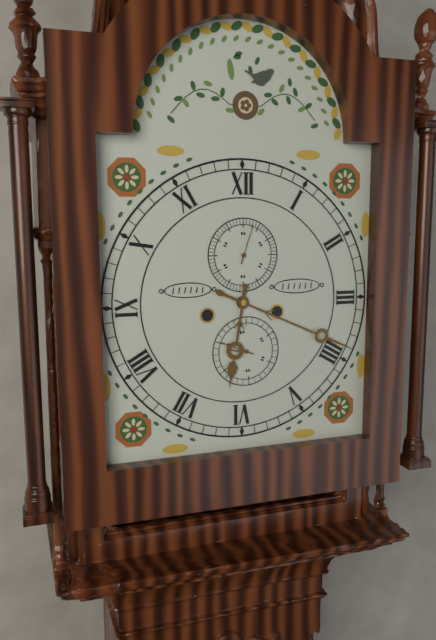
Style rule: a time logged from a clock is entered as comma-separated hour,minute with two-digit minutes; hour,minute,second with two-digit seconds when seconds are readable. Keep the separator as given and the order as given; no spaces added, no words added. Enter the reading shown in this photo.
6,19
